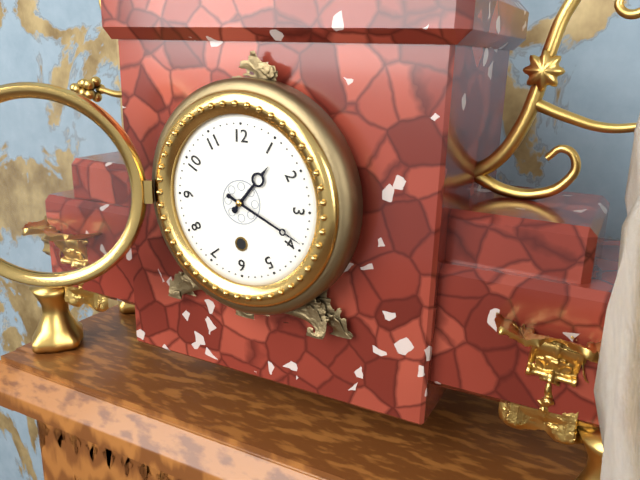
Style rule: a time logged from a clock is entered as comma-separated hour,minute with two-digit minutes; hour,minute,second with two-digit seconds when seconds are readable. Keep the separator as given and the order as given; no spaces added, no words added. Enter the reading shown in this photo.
1,19
